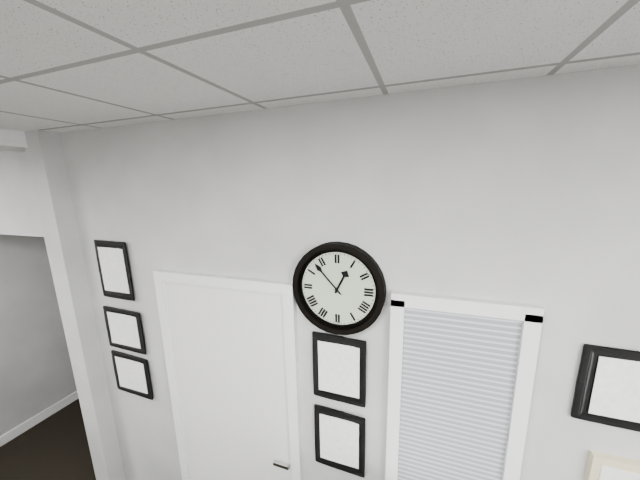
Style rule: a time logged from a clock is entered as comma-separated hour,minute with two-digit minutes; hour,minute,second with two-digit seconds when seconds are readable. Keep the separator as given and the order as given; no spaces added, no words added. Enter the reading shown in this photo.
12,53
